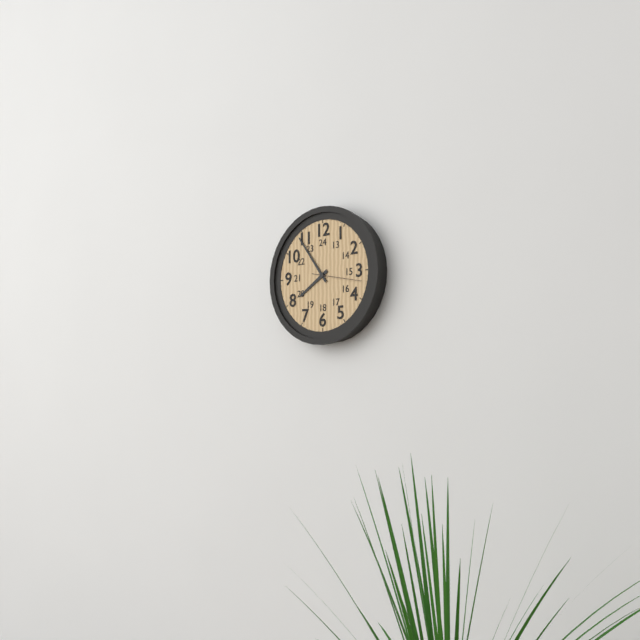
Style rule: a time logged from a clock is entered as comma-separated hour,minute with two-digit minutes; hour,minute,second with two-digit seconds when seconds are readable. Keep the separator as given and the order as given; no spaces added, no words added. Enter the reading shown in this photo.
7,54
